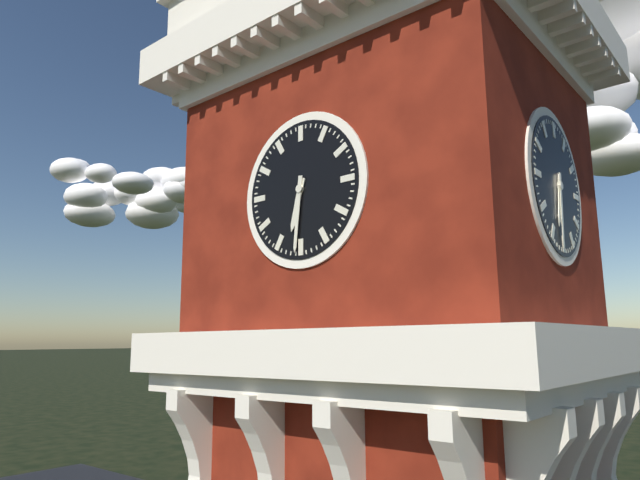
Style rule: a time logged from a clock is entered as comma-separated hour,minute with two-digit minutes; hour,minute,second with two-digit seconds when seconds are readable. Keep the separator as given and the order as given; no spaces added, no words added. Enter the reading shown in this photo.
6,31
